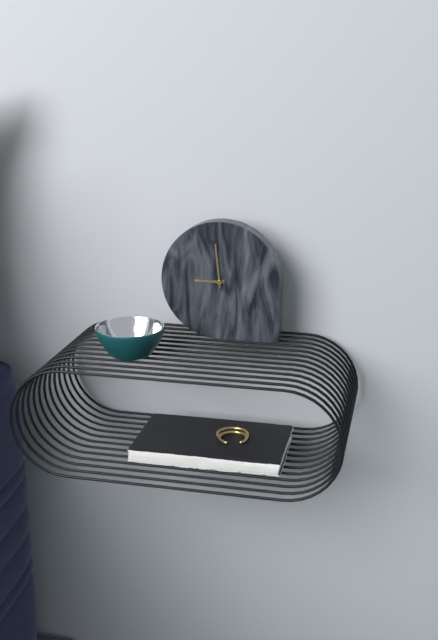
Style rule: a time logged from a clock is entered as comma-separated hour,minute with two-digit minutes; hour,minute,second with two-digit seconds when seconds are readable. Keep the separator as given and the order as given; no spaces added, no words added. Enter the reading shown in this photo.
8,59
